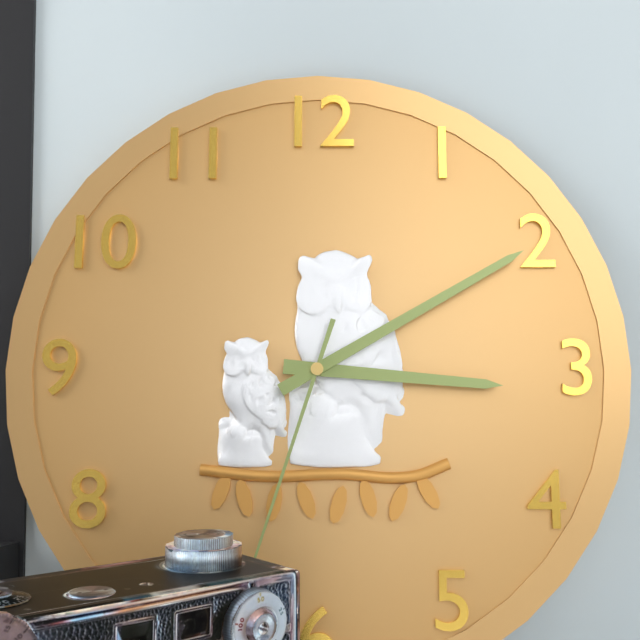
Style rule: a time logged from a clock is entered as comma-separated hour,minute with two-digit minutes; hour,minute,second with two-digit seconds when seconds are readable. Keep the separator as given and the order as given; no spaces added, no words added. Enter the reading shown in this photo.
3,10,33
